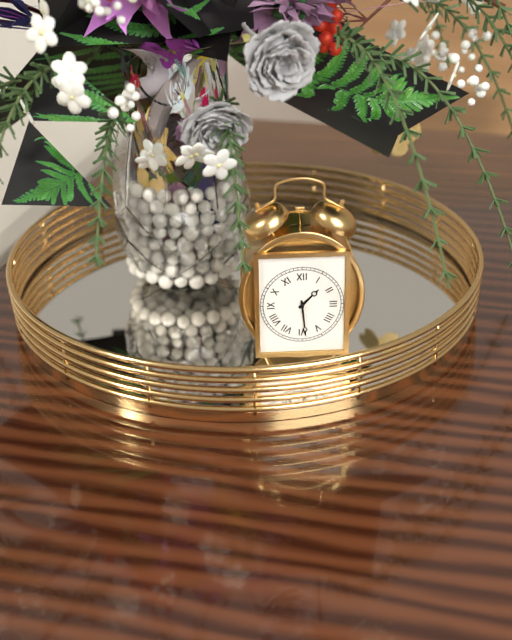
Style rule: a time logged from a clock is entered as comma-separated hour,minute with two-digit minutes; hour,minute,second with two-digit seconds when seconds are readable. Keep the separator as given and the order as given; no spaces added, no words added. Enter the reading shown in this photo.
1,29
